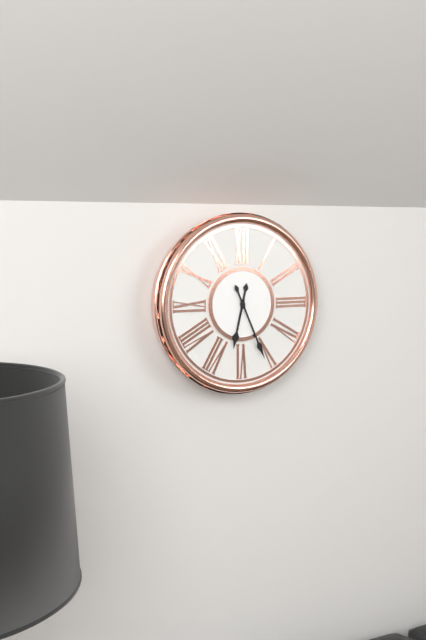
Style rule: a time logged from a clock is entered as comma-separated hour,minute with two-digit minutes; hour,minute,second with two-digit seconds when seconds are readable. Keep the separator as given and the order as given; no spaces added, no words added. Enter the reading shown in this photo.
6,26
